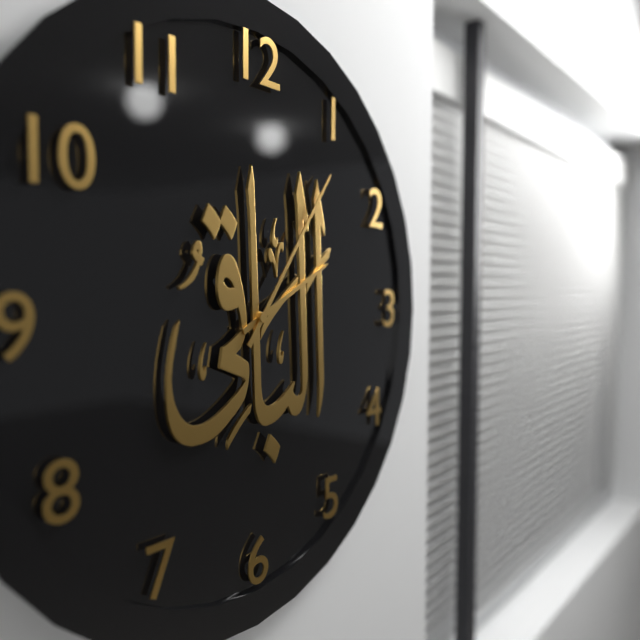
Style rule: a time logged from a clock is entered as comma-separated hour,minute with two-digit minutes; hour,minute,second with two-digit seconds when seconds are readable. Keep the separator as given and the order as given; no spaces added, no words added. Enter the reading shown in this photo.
2,06
